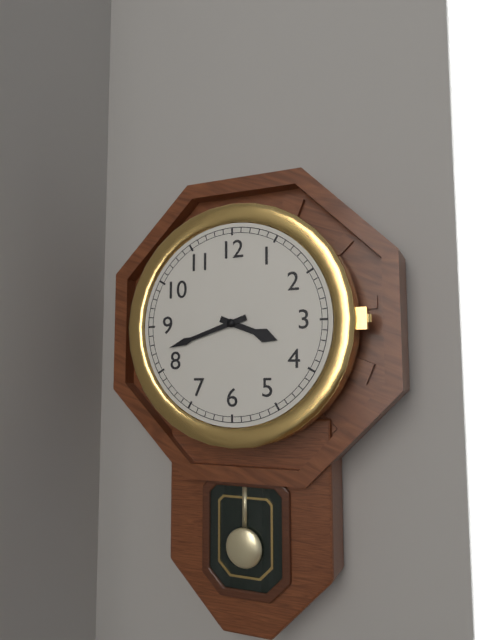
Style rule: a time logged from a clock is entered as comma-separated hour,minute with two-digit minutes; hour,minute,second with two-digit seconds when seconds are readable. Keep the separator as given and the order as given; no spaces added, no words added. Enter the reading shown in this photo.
3,42
